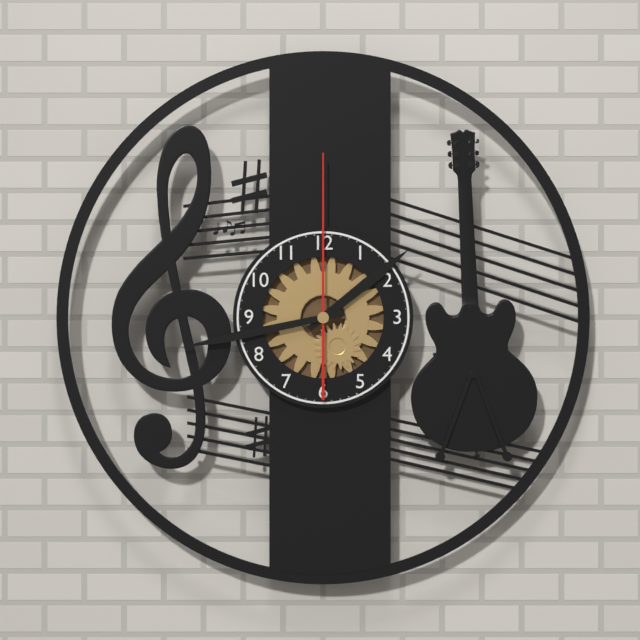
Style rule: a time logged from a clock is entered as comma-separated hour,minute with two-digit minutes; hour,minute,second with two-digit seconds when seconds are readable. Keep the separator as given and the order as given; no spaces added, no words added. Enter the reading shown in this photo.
1,43,00
